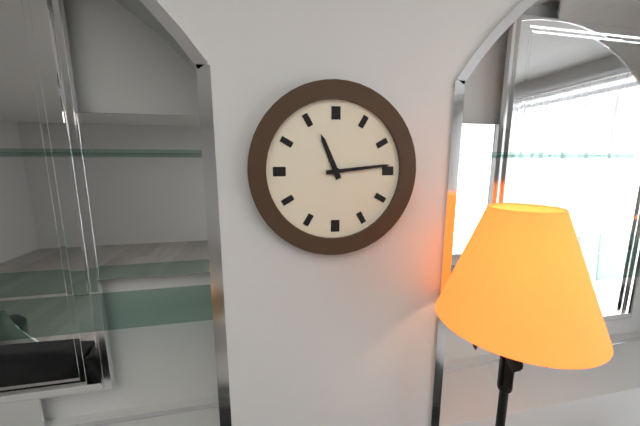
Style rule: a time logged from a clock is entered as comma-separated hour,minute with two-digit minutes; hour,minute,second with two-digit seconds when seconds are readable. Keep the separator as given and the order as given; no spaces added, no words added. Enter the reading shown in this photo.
11,14
